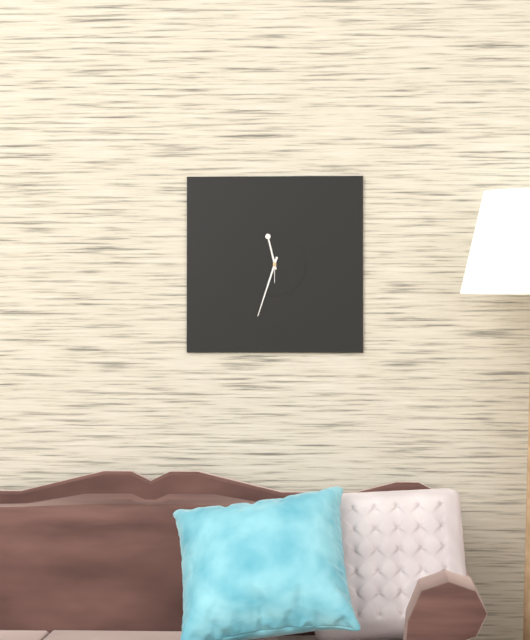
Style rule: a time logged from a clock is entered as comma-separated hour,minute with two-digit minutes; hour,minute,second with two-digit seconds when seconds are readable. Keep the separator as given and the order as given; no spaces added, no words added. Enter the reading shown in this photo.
11,33
